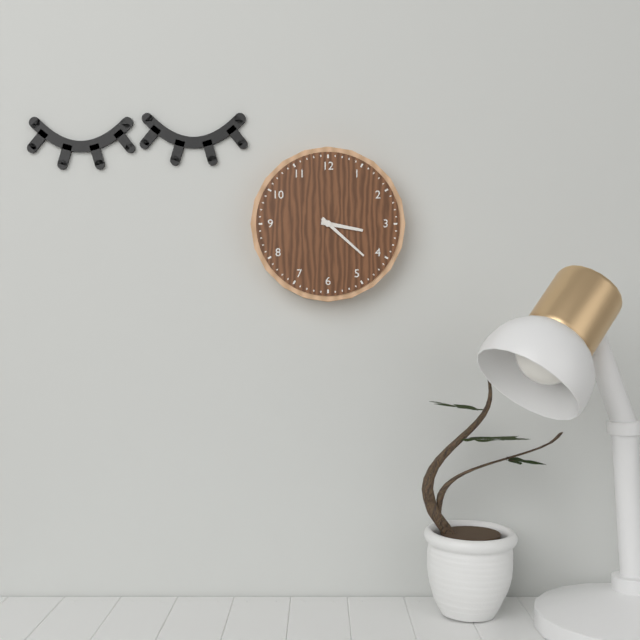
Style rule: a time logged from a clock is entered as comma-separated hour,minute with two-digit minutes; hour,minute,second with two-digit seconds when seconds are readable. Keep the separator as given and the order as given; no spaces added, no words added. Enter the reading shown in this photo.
3,22
